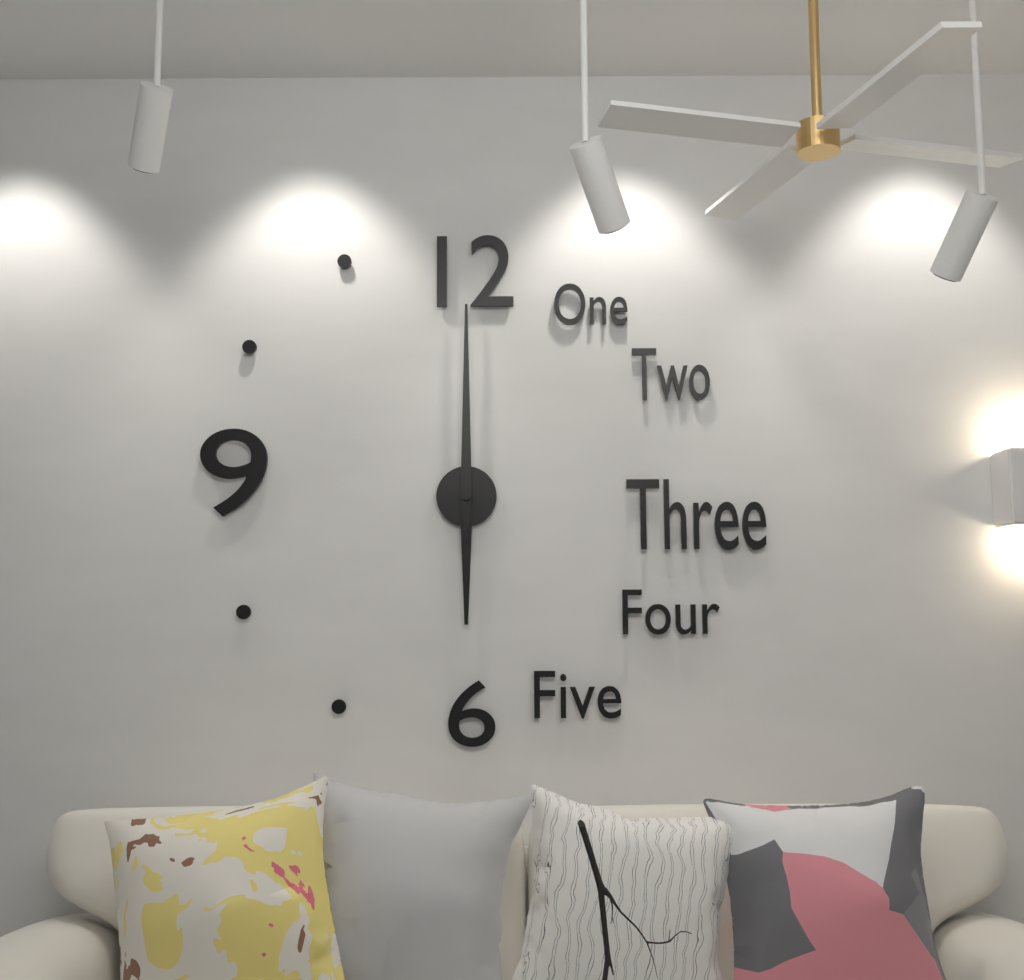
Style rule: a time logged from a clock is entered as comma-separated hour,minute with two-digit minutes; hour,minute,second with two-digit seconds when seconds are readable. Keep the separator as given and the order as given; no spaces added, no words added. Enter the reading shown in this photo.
6,00
